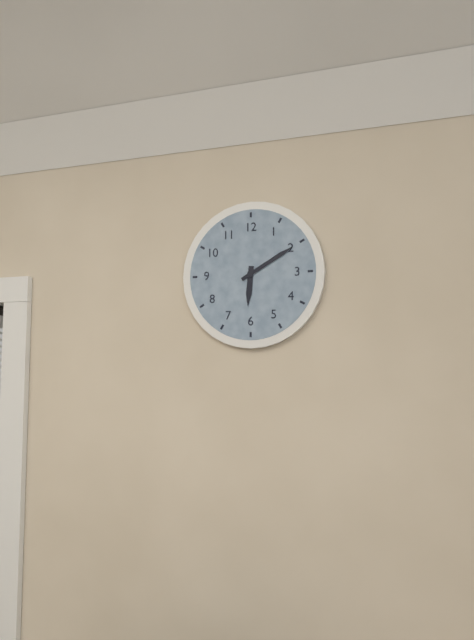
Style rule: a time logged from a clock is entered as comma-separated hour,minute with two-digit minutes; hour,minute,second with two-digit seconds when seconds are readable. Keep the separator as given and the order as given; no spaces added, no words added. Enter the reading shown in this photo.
6,10
